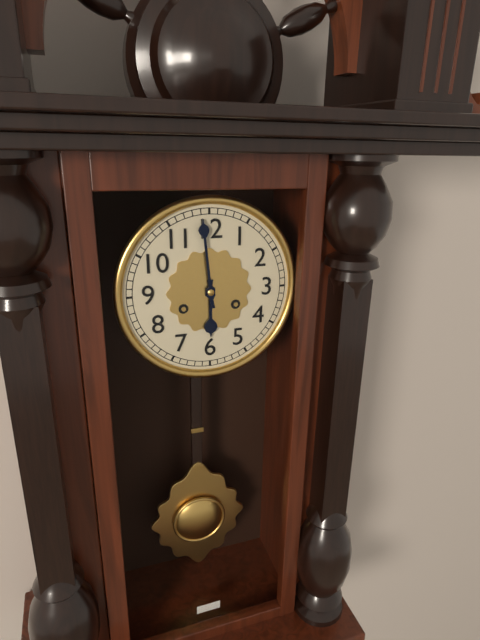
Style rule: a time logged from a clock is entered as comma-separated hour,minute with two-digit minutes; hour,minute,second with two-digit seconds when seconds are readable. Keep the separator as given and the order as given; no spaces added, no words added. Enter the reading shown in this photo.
5,59
